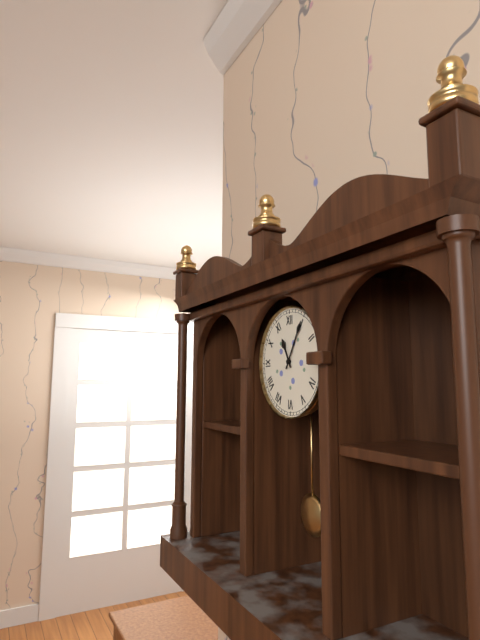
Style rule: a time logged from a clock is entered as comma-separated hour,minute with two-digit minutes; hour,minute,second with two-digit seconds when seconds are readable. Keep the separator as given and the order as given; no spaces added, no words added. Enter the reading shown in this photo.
11,05
